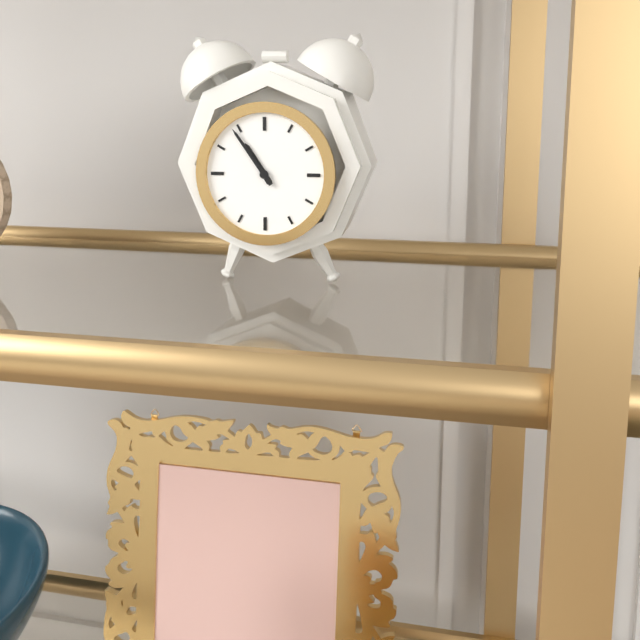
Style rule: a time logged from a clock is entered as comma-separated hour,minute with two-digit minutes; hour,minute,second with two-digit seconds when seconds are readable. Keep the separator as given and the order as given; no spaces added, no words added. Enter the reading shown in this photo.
10,54
